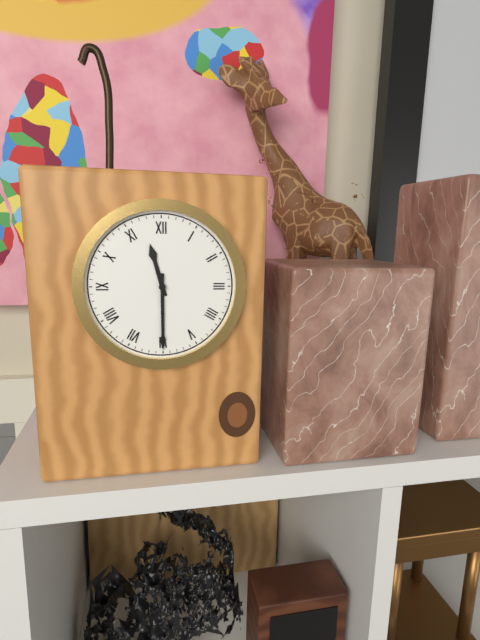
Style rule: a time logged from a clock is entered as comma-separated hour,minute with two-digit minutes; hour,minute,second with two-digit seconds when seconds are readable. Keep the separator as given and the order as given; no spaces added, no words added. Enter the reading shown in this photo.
11,30
